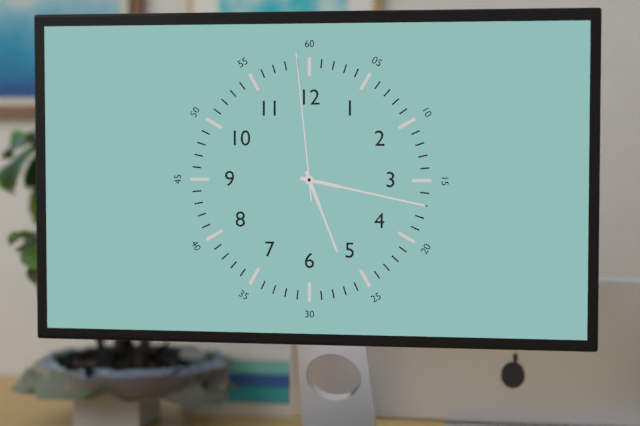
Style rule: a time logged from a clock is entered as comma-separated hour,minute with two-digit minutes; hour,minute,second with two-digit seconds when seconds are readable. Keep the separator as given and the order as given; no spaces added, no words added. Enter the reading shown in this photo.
5,17,59
